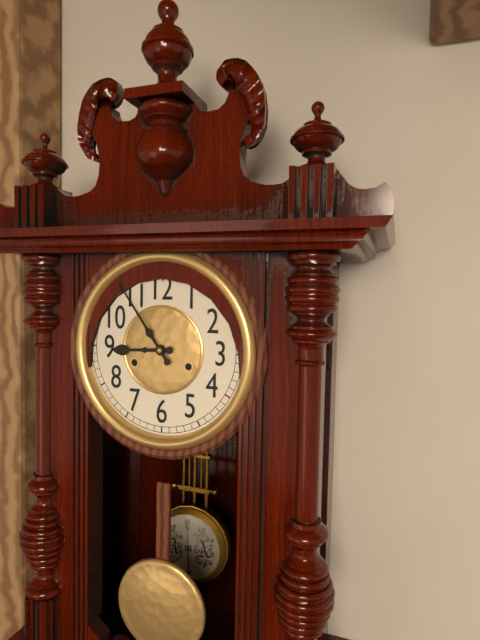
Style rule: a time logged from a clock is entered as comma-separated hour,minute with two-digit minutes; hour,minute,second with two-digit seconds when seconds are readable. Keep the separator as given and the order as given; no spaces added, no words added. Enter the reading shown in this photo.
8,54
